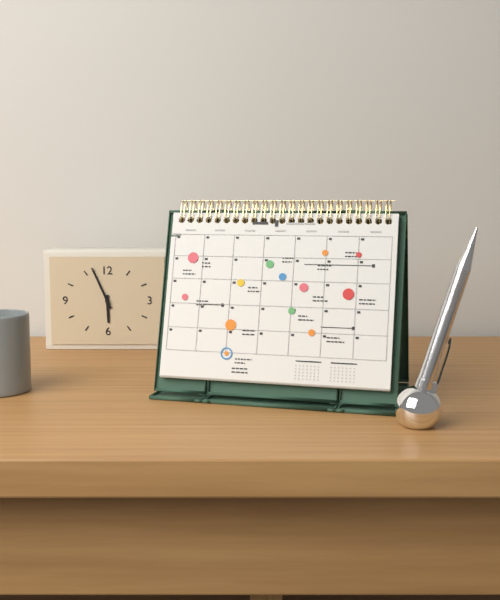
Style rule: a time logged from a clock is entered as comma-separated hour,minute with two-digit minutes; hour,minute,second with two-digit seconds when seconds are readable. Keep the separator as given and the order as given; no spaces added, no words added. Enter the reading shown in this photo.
5,56
